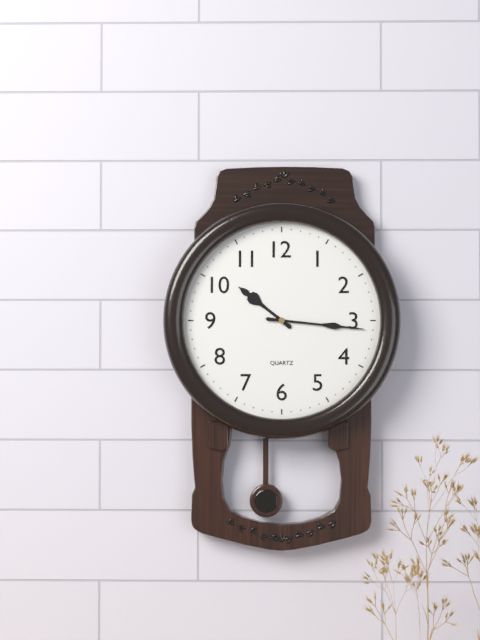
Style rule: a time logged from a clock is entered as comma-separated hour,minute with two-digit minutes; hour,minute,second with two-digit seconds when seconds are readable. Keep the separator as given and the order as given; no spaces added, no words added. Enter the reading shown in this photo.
10,16
